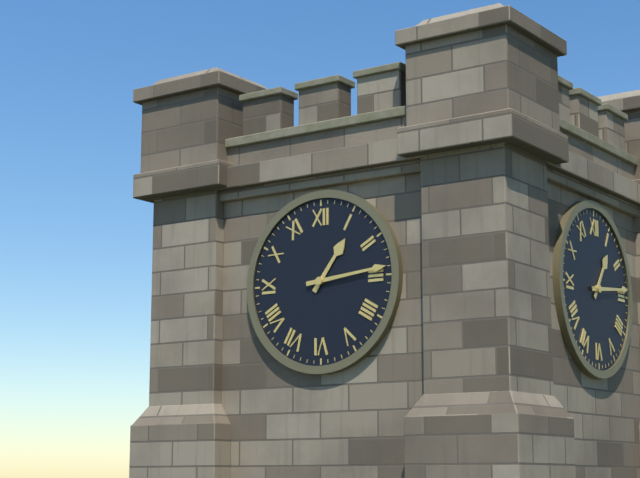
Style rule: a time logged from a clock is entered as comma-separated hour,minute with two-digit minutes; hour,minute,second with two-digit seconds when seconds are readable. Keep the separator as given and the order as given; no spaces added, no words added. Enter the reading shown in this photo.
1,14
